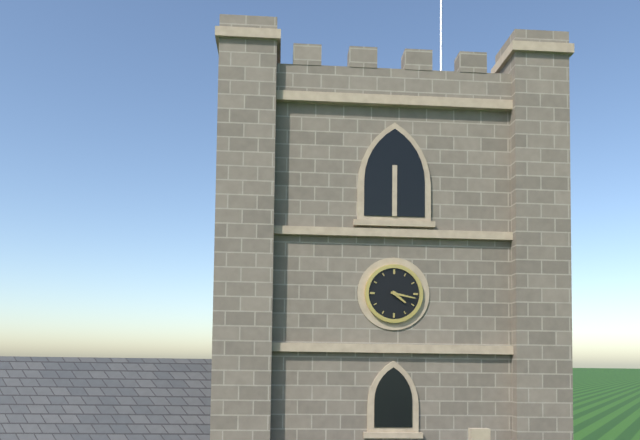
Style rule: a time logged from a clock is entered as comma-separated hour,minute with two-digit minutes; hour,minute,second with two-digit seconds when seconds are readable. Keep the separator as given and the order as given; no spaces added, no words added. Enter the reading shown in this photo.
4,17
